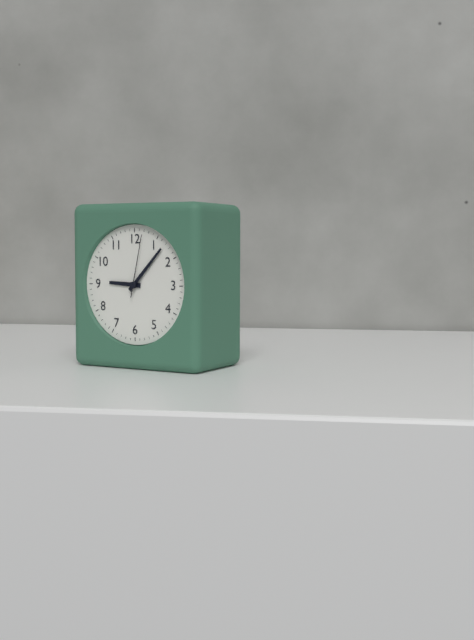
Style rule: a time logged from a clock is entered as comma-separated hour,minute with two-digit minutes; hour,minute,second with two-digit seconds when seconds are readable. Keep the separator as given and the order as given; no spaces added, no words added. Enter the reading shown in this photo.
9,07,02
